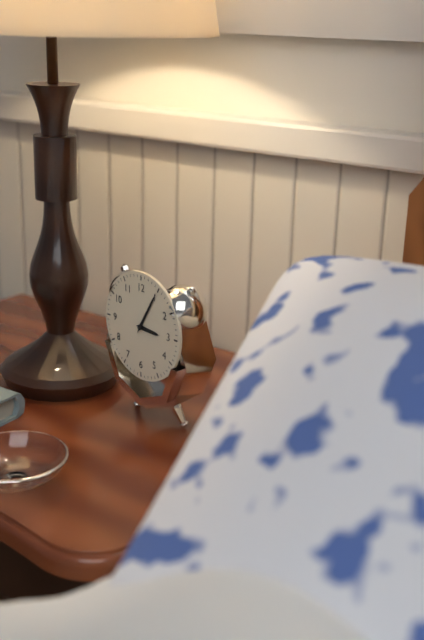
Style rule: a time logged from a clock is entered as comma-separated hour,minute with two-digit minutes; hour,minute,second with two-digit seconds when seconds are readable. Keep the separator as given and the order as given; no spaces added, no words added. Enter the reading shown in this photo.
3,05
